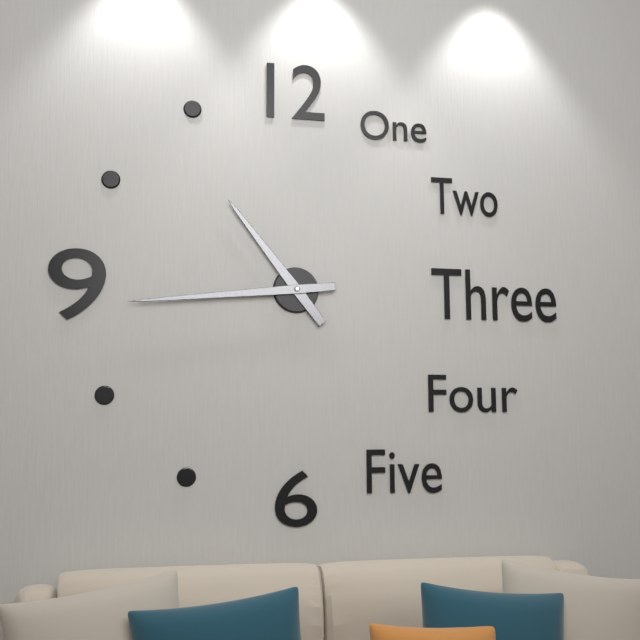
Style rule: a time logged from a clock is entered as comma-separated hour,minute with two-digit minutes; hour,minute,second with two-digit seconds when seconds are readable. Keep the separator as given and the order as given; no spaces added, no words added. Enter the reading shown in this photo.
10,44
